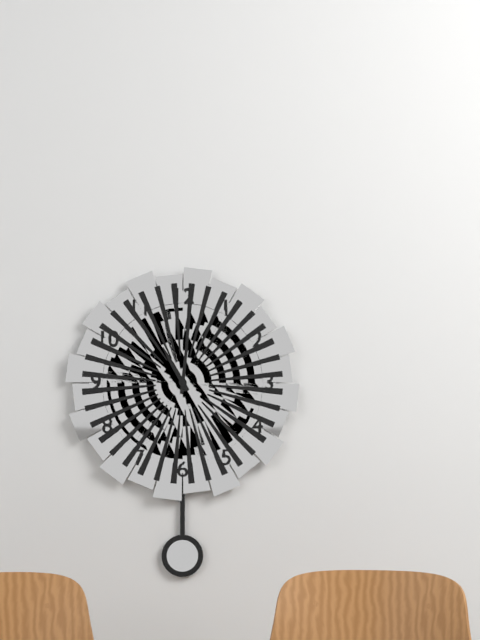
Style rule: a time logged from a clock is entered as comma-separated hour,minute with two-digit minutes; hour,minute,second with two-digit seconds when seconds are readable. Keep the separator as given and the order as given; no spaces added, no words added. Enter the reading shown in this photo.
11,01
